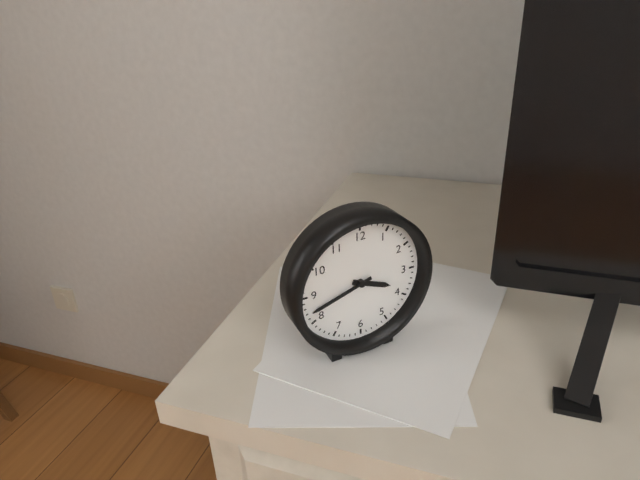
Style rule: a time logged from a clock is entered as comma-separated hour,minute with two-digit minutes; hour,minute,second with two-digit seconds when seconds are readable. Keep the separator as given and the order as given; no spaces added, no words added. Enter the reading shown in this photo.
3,42
